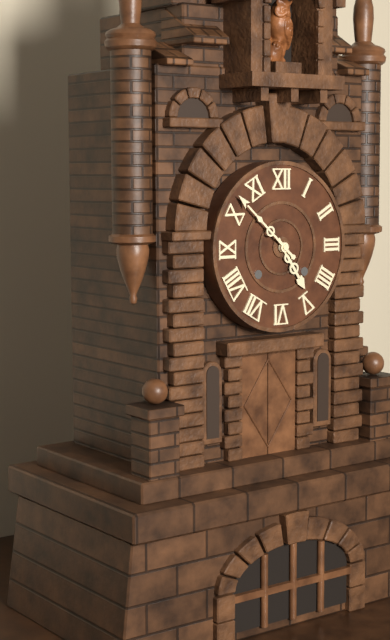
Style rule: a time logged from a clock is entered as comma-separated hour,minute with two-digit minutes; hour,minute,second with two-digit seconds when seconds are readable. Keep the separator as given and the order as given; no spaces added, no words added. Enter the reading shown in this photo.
4,52
